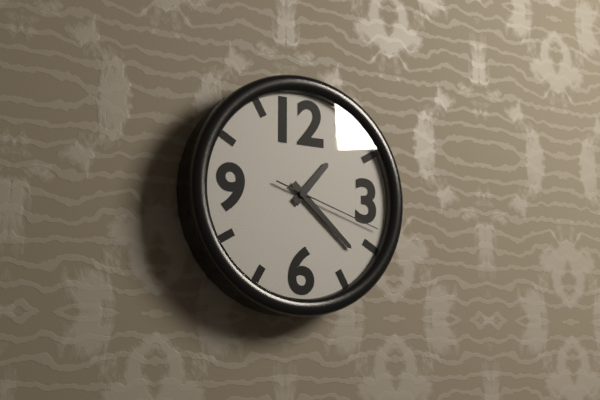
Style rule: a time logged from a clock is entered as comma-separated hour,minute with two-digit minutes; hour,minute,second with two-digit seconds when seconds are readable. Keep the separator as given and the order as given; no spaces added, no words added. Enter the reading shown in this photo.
1,22,18
